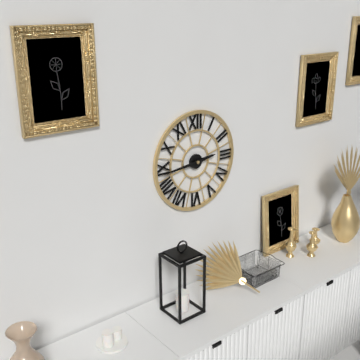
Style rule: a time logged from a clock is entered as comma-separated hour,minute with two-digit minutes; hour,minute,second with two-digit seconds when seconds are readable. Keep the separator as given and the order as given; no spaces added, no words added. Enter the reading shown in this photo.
2,44
